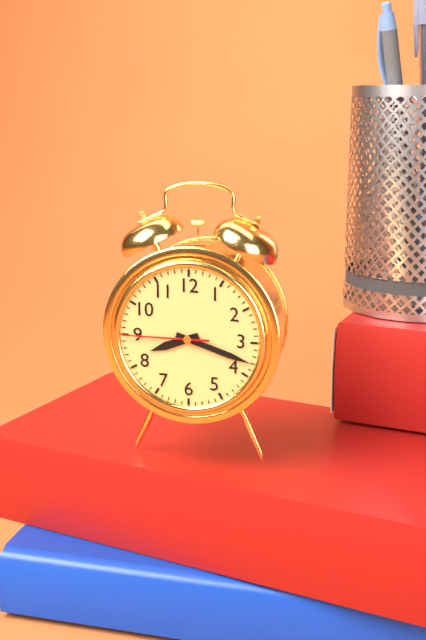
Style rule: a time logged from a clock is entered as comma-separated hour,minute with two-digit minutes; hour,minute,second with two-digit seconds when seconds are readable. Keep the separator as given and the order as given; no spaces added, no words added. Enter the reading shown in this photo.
8,18,45
